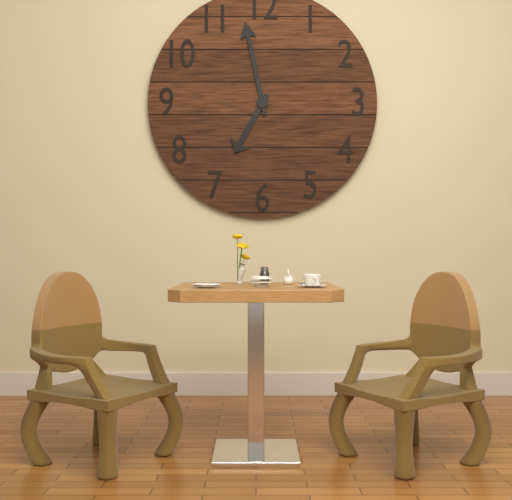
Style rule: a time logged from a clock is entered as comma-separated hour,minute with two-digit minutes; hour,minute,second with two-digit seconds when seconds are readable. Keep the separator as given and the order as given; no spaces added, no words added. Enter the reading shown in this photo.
6,58
